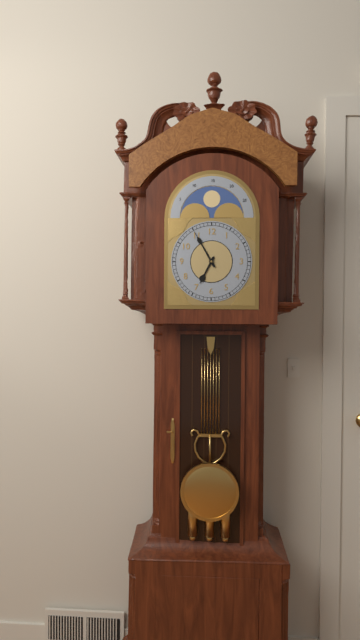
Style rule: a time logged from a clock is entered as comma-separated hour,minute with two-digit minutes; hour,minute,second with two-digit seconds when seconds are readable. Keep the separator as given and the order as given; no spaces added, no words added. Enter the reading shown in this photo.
6,55
